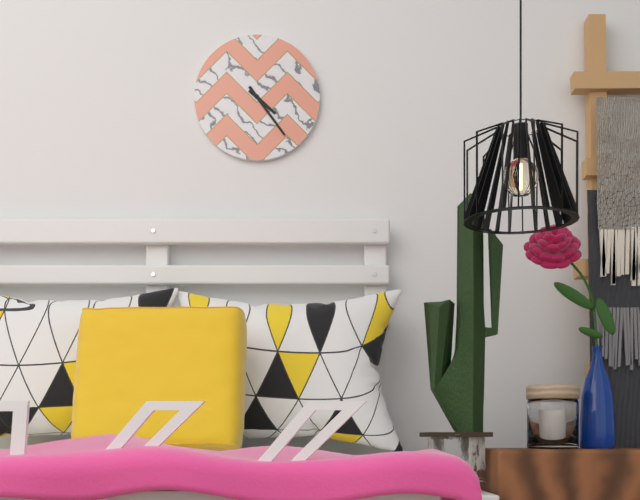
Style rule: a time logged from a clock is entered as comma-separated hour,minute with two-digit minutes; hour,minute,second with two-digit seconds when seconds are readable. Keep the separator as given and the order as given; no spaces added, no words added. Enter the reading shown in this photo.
4,24
